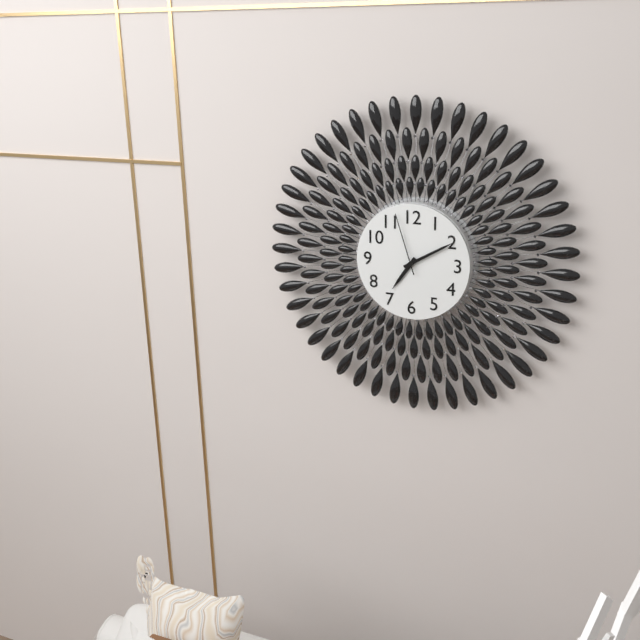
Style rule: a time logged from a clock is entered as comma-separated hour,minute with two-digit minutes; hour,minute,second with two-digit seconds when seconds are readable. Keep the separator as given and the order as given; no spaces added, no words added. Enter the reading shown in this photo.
7,10,57
